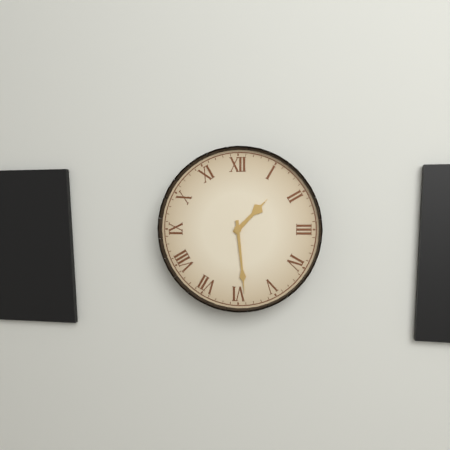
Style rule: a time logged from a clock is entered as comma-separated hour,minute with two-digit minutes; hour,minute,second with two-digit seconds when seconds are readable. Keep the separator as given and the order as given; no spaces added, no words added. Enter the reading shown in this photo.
1,29
